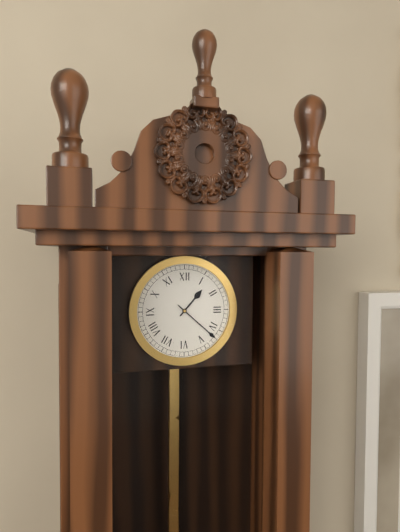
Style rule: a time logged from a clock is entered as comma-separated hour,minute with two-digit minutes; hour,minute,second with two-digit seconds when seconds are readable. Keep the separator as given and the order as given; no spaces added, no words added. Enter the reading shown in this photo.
1,22
